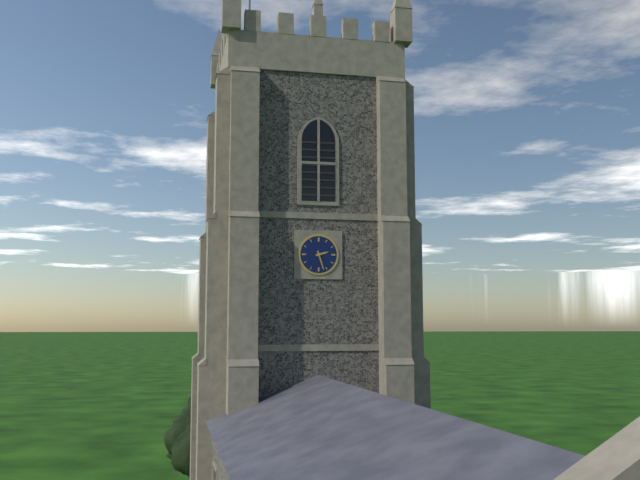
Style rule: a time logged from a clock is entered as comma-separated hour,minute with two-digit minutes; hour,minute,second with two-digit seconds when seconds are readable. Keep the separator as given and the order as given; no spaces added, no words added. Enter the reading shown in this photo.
2,27
